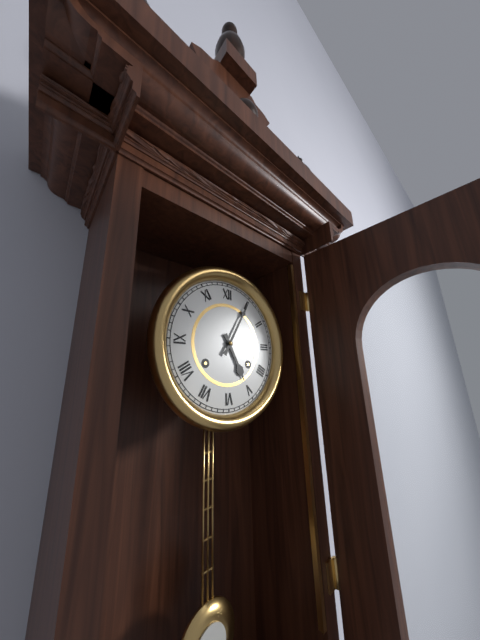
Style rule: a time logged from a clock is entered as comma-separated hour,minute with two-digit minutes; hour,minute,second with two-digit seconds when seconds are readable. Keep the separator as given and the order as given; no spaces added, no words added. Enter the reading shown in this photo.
5,05
